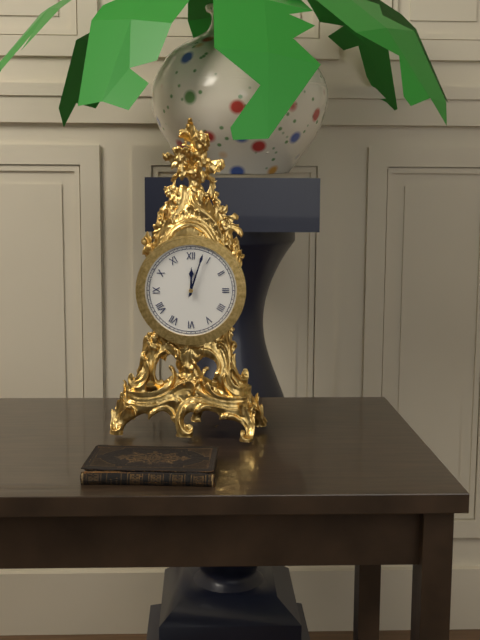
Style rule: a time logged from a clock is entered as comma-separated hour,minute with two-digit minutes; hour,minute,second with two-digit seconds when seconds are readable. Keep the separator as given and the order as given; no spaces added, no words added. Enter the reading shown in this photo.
12,03
